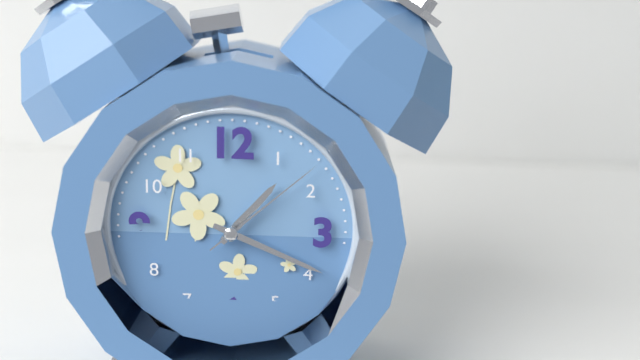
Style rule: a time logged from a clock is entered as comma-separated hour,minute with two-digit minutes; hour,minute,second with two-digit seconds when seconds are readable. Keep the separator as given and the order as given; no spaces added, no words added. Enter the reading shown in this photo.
1,19,08
